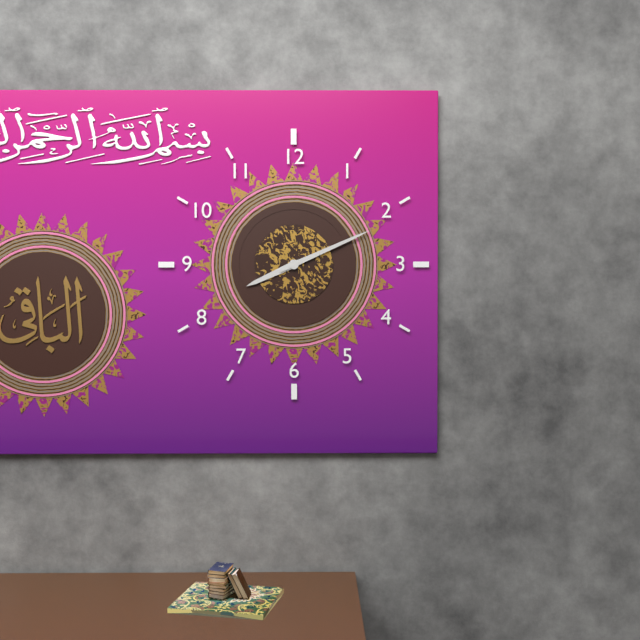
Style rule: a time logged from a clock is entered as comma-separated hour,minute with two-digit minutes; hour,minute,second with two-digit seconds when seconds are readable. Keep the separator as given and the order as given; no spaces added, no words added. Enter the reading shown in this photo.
8,11
